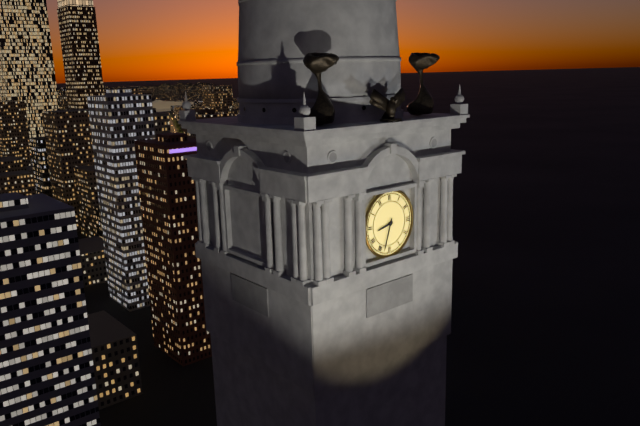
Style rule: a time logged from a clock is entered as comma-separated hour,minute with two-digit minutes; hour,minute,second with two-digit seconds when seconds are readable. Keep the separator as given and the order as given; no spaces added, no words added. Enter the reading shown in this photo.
8,33
